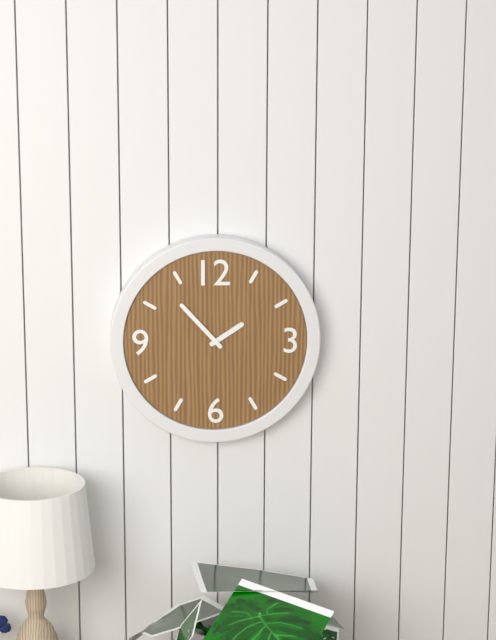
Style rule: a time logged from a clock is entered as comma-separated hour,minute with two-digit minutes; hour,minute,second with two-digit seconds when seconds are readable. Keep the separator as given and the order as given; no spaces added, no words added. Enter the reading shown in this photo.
1,53
